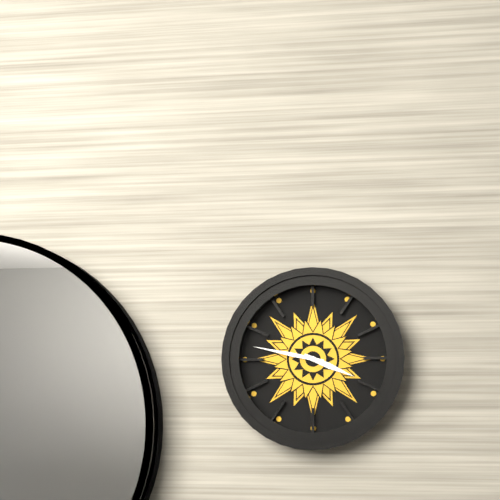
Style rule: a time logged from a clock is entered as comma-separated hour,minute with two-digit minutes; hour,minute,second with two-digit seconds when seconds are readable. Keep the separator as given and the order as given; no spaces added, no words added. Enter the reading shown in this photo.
3,47
